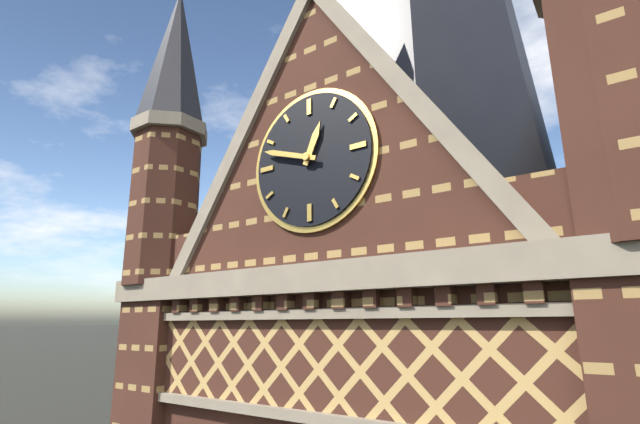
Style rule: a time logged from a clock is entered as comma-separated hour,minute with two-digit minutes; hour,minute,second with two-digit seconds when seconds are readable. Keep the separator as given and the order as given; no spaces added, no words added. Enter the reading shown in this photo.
12,48
